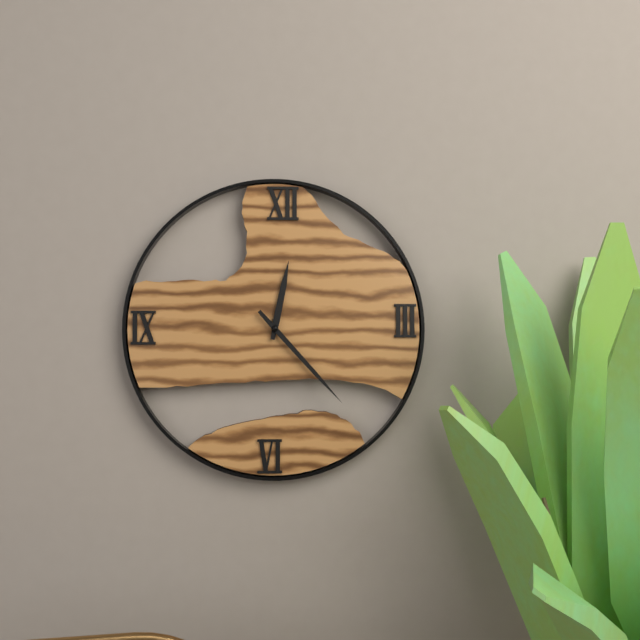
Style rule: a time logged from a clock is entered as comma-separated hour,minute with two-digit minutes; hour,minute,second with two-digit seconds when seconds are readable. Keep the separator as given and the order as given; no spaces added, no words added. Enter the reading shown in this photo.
12,23
